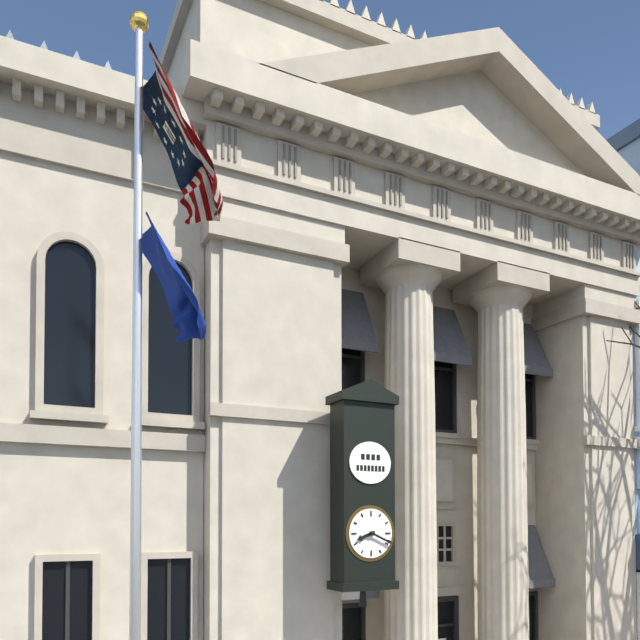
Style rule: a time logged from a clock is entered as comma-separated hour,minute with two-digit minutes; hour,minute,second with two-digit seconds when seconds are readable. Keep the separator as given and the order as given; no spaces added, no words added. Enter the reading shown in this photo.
8,19
